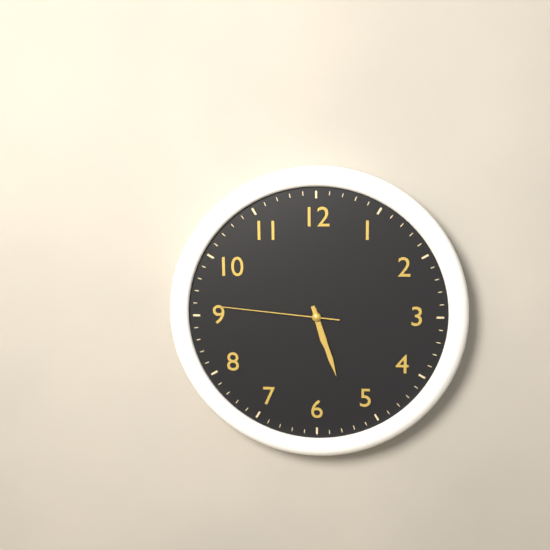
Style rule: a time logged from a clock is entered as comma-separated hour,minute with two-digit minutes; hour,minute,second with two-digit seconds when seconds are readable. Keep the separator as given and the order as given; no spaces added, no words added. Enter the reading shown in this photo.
5,27,46
